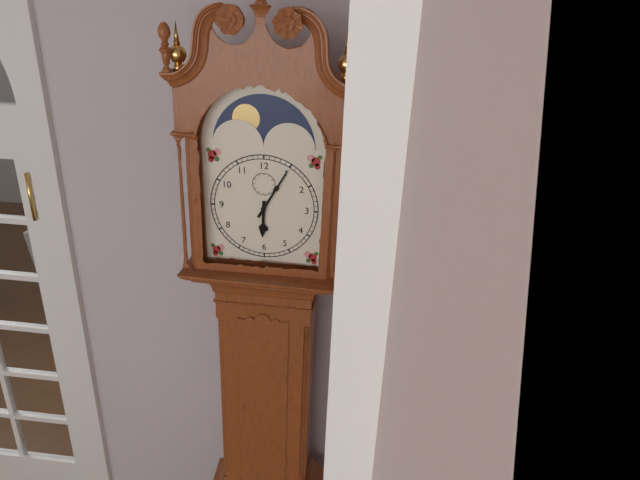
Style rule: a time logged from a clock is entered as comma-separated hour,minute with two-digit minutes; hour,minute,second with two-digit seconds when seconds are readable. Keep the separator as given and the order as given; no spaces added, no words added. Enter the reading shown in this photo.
6,05
